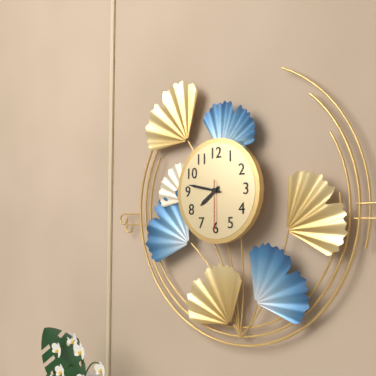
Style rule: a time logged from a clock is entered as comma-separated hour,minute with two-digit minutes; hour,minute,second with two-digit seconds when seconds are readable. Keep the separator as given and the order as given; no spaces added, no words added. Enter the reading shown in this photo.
7,47,30
